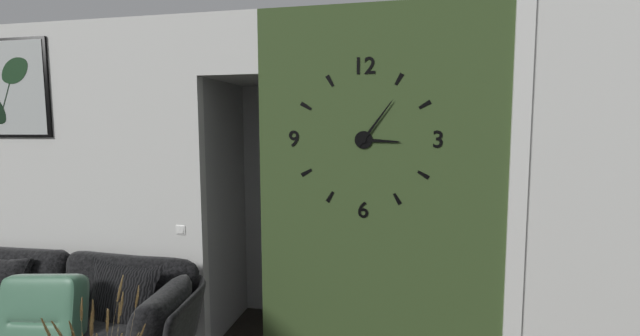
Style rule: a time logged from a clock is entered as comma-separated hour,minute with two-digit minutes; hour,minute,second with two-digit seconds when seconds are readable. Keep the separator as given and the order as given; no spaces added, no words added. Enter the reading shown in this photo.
3,06
